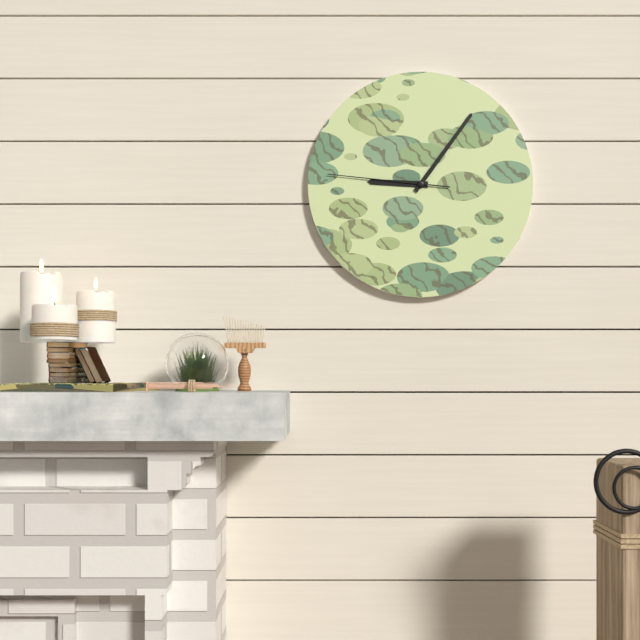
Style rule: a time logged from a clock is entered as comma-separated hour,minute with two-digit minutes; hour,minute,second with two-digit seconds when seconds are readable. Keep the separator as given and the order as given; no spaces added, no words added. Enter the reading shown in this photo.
9,06,46
